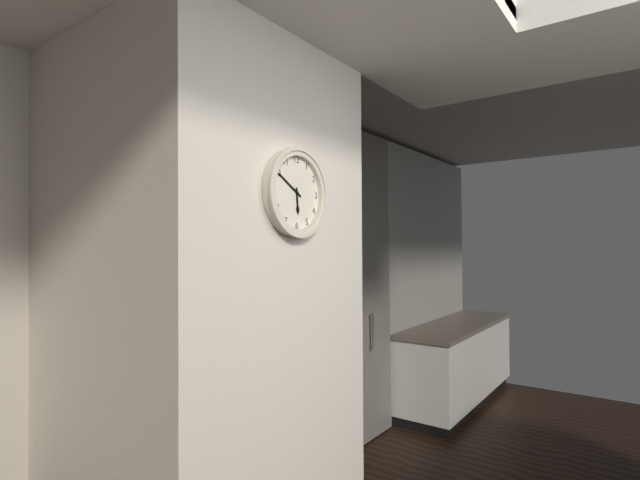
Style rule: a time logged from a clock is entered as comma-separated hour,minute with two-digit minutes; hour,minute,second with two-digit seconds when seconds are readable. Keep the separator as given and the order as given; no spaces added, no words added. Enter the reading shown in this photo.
5,50
